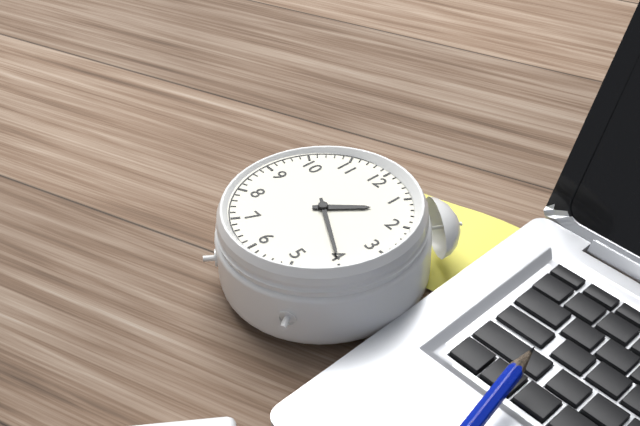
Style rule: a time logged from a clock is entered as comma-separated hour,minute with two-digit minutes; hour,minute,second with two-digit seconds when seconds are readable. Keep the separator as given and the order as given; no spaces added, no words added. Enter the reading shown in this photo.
1,20
